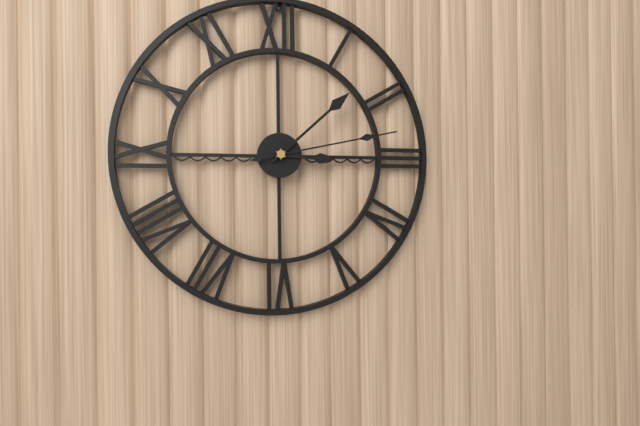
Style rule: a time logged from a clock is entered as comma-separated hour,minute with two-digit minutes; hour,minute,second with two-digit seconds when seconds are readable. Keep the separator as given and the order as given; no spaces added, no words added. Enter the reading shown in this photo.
3,08,13
